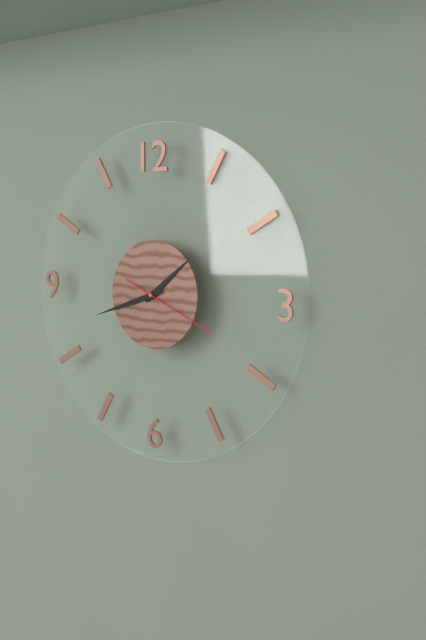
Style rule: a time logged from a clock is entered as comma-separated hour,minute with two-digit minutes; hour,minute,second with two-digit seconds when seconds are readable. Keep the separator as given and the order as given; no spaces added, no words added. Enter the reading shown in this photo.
1,42,19
